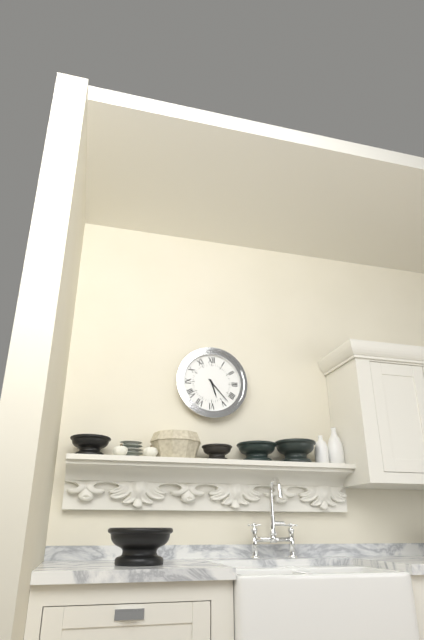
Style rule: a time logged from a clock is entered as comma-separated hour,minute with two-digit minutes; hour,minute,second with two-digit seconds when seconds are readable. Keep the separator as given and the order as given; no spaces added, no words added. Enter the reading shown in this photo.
5,23
